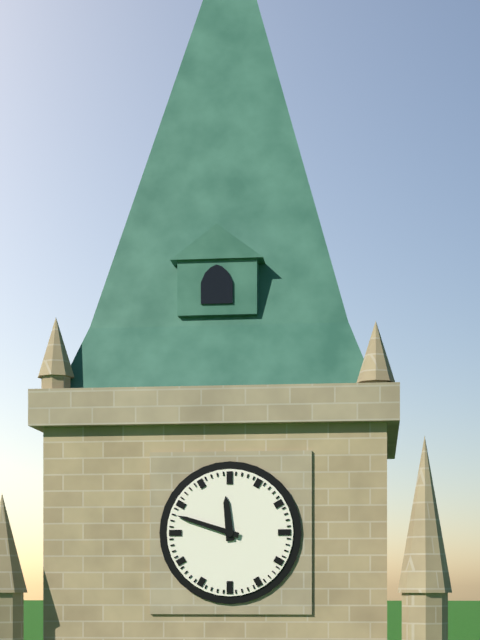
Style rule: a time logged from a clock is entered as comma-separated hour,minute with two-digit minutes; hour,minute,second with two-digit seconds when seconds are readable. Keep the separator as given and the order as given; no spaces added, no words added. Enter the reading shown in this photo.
11,48
